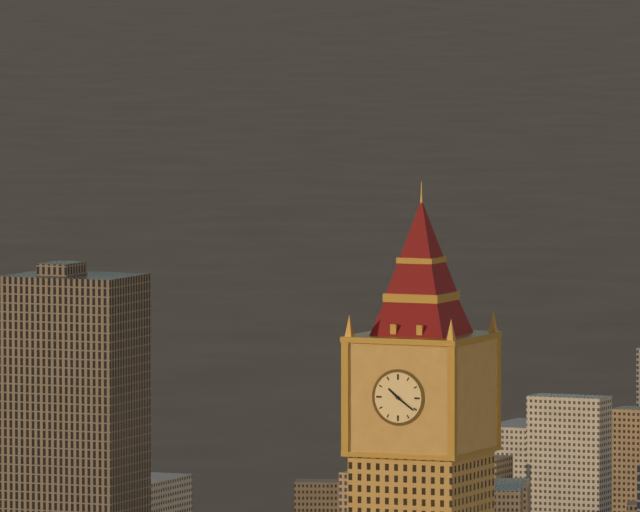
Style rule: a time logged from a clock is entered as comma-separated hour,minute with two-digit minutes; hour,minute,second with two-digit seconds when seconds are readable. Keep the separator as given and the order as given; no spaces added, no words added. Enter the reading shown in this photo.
10,21
